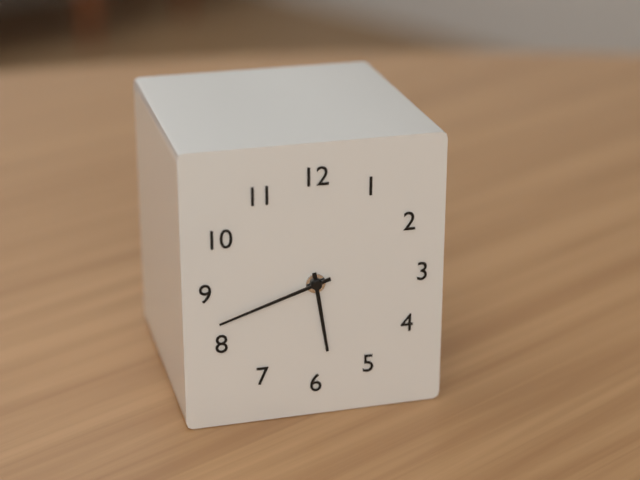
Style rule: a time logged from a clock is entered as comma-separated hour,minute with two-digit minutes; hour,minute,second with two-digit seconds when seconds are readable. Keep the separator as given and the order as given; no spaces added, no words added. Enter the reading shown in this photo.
5,42
